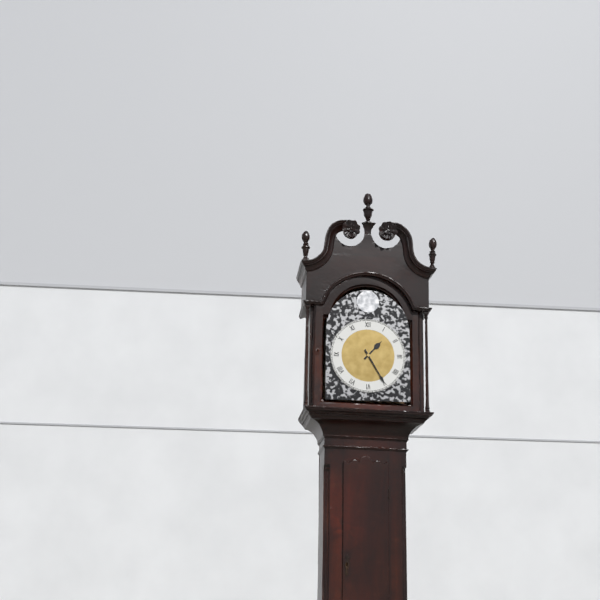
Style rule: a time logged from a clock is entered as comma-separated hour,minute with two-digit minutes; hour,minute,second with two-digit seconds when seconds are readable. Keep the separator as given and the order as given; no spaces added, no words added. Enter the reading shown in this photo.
1,25
